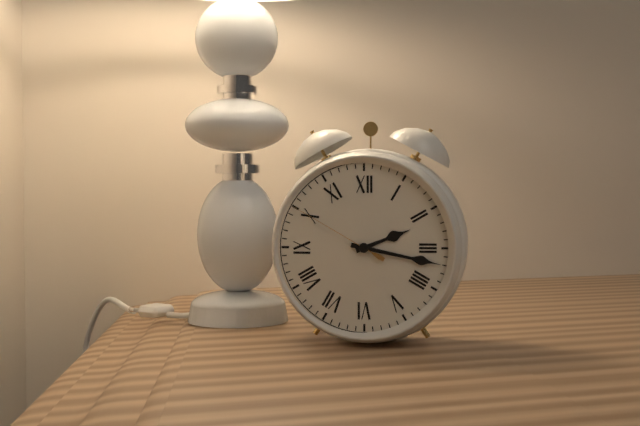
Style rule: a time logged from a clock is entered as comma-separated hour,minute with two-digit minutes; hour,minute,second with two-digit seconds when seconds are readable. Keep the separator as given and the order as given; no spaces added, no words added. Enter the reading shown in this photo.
2,17,50
